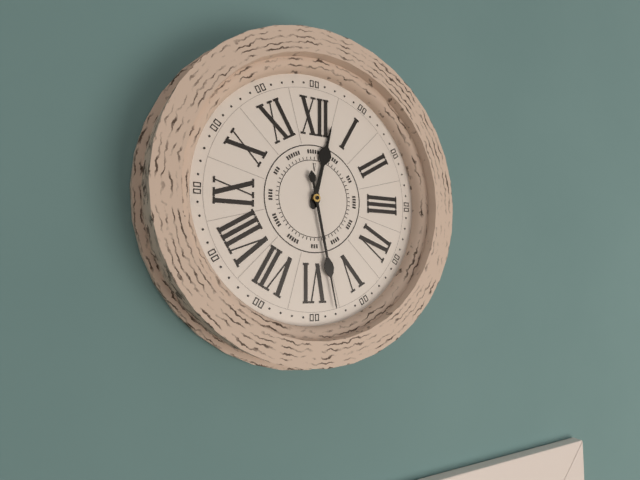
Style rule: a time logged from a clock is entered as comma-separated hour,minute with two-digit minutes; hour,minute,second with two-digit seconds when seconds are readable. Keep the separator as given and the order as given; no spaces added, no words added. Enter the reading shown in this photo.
12,28
